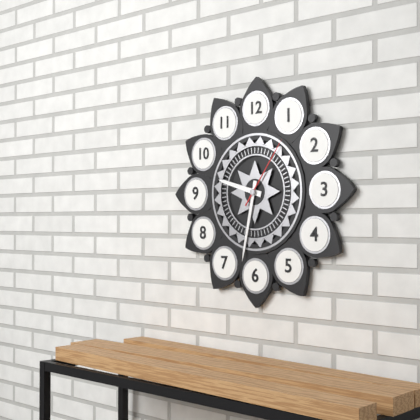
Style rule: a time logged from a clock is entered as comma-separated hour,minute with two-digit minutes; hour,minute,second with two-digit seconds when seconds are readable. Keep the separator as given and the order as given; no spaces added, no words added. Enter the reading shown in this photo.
9,32,06
